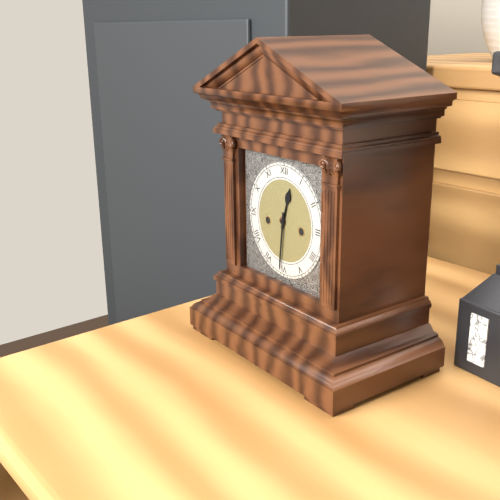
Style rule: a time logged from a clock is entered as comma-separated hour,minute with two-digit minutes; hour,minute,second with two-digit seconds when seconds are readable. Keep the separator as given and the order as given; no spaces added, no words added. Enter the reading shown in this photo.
12,31
